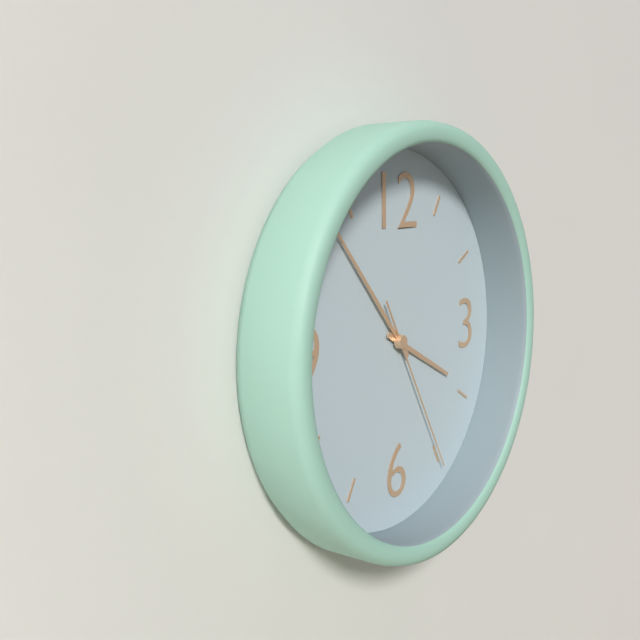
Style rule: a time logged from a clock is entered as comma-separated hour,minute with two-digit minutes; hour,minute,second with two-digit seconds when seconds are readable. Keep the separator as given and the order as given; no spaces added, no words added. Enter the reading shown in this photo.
3,53,25
